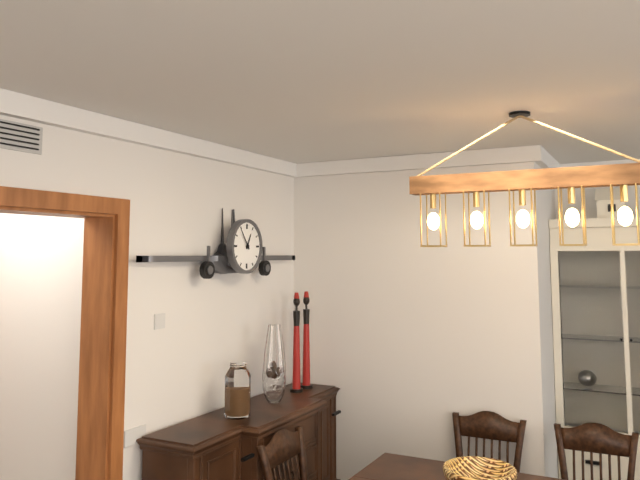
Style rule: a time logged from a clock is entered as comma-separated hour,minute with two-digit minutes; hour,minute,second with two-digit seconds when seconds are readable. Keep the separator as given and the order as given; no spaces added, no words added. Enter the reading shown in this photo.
12,54
